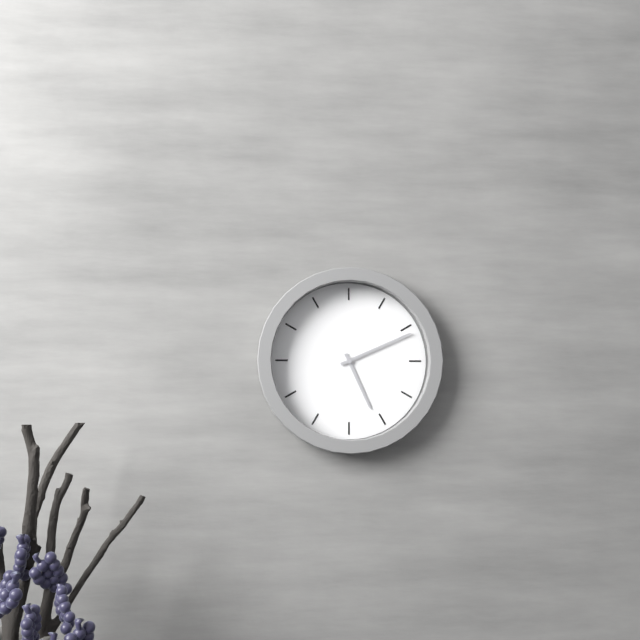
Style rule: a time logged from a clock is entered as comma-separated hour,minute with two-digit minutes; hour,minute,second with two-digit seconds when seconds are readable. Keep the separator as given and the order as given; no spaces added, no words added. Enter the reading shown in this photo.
5,11
